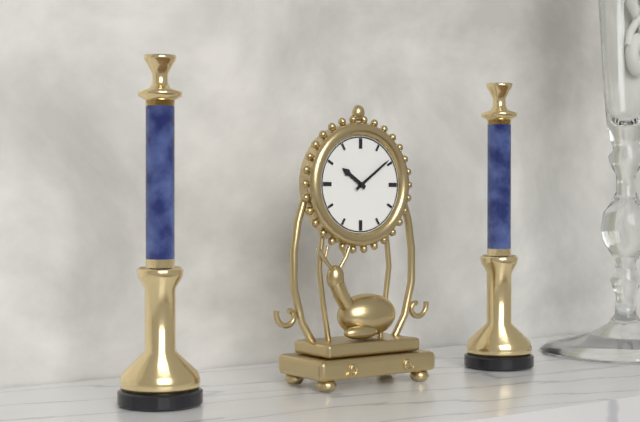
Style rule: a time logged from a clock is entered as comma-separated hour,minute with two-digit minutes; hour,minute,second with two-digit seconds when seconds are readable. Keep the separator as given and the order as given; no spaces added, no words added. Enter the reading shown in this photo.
10,09
